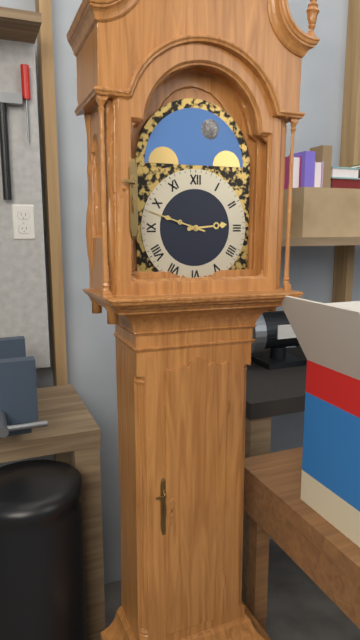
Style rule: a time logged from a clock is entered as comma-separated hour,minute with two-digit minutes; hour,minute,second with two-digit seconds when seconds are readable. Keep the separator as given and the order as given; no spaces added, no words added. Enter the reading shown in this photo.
2,48
